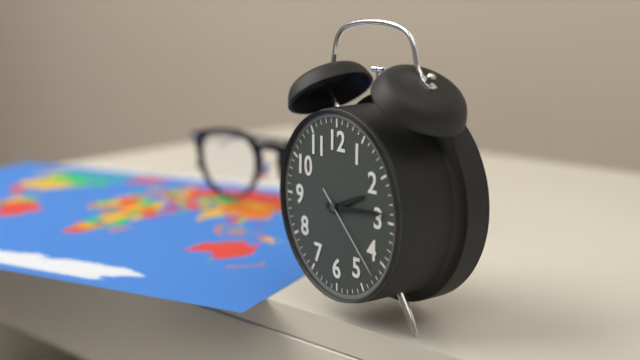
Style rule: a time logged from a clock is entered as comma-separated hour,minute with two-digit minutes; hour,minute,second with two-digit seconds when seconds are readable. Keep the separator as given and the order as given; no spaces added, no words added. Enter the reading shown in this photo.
2,14,22
